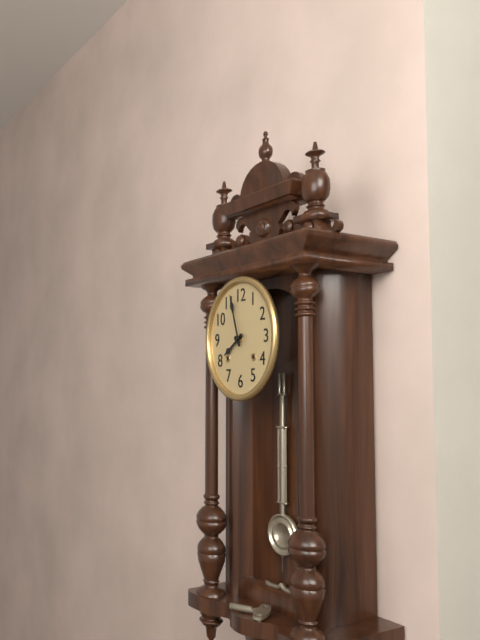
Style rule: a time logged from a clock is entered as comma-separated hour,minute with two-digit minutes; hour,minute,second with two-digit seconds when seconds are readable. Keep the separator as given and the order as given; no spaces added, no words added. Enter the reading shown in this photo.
7,57
